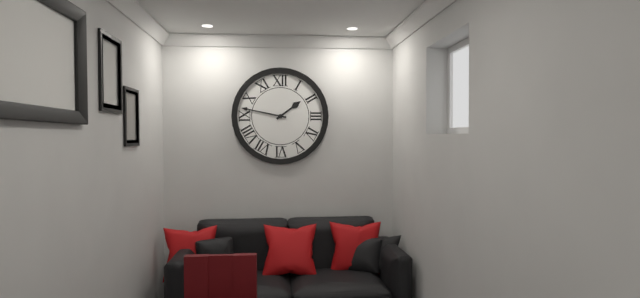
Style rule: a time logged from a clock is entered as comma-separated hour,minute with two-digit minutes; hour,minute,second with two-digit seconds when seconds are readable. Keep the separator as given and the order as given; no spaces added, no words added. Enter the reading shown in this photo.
1,47
